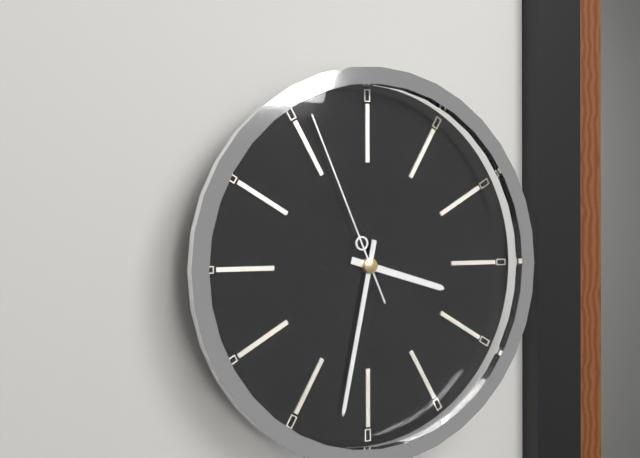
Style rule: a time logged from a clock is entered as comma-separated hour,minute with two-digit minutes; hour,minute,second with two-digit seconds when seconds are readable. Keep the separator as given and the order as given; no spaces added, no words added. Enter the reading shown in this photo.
3,32,56
